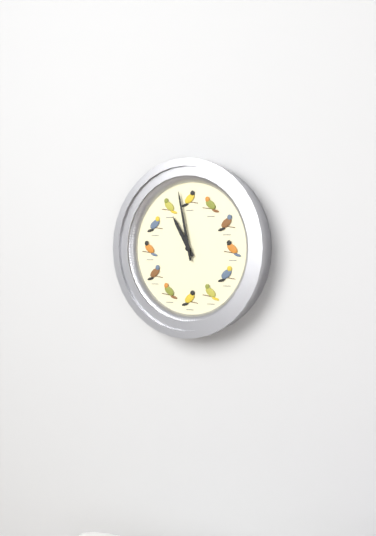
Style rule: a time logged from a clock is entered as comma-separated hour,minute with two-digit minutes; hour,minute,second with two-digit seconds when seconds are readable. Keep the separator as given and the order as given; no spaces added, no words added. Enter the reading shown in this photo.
10,58
